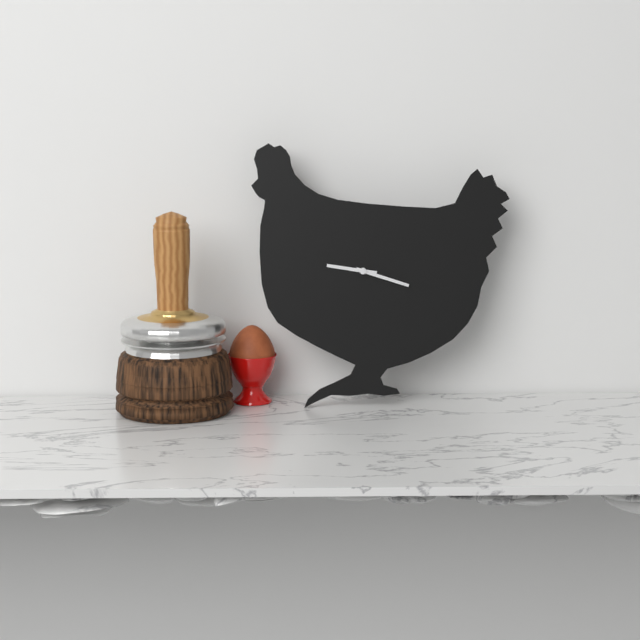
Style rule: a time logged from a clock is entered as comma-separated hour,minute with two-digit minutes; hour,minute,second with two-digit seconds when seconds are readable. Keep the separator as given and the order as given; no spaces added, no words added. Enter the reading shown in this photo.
9,18
